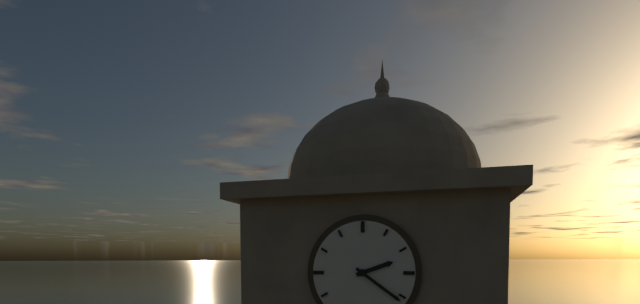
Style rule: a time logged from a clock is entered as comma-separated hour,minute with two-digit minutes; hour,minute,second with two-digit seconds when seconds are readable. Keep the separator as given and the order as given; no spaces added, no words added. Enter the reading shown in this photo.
2,21
